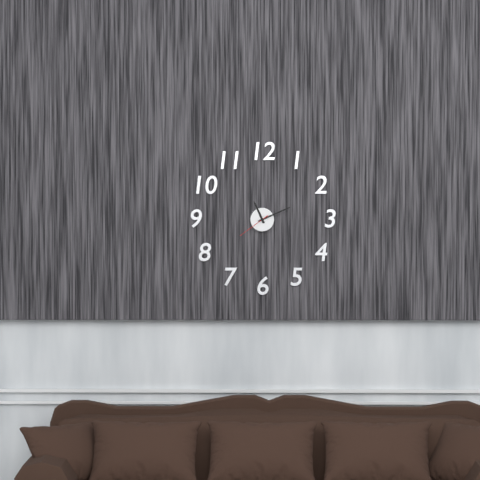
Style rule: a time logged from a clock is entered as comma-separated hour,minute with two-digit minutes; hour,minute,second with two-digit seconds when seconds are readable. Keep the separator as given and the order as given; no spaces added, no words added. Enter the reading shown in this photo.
11,11
